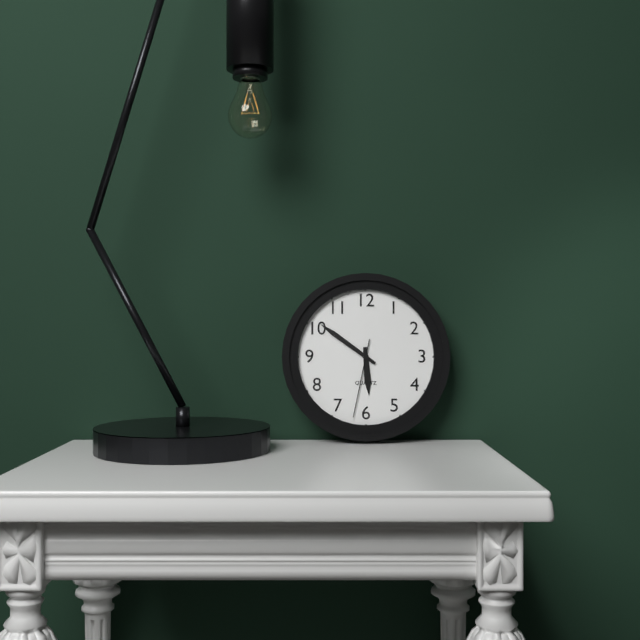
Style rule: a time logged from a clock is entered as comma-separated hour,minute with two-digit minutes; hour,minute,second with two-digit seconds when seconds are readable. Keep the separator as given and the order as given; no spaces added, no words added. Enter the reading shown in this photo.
5,51,32
